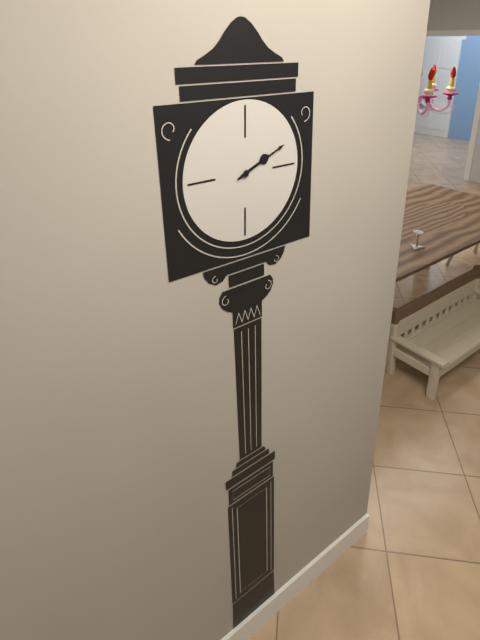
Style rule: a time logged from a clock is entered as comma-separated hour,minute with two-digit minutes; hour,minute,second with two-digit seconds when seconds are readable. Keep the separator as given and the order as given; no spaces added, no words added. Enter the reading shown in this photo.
2,11
